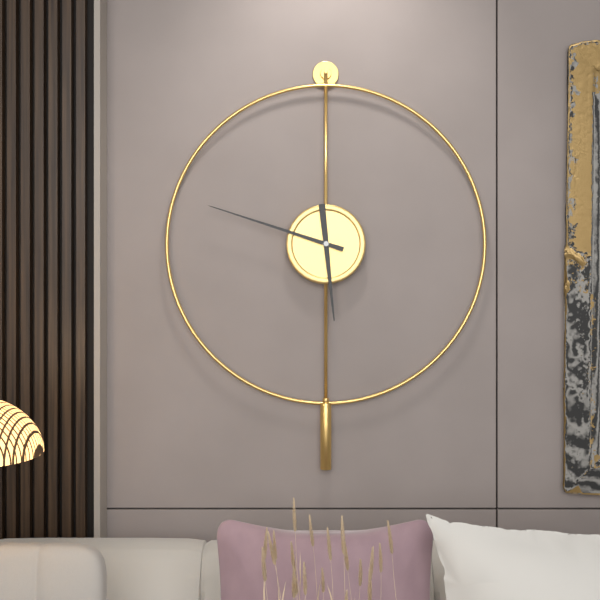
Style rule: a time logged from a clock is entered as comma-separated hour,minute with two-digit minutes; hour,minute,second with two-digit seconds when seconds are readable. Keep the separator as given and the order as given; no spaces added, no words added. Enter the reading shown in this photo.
5,48
